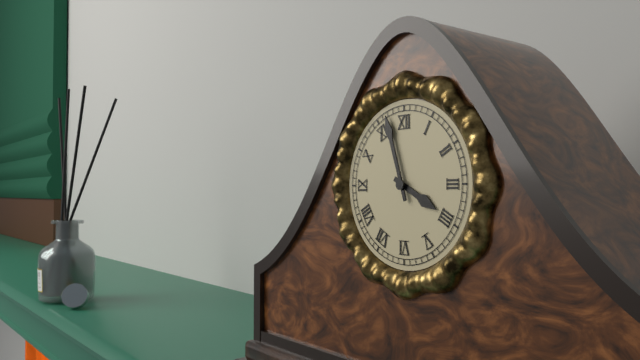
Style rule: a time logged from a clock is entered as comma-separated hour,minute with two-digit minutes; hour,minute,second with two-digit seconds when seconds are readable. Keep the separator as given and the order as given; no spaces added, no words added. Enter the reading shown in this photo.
3,57
